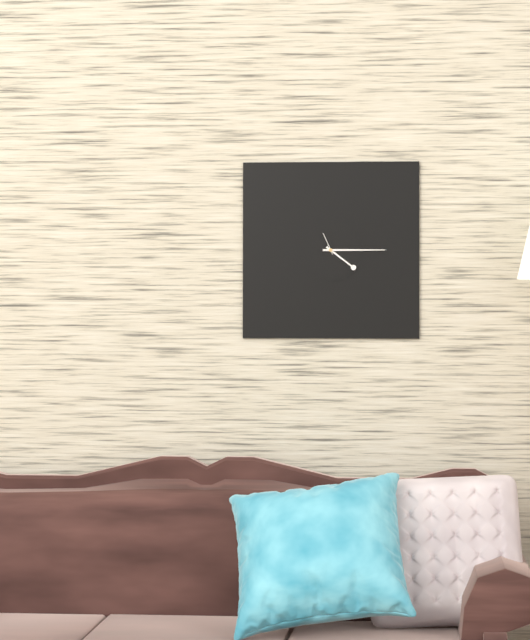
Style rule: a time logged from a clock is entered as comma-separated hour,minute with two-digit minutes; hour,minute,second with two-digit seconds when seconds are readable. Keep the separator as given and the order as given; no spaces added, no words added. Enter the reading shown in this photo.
4,15
